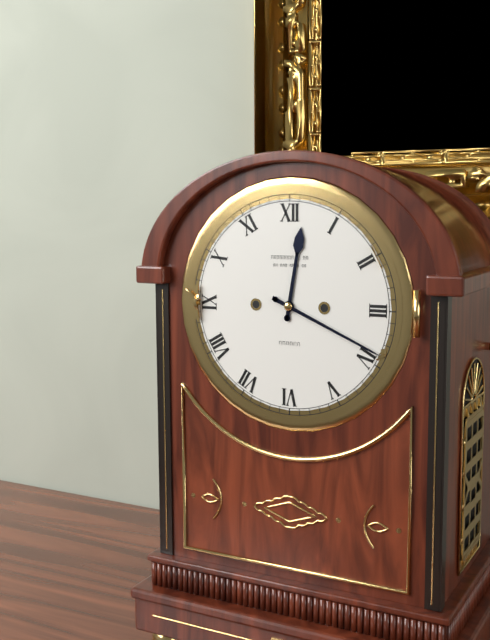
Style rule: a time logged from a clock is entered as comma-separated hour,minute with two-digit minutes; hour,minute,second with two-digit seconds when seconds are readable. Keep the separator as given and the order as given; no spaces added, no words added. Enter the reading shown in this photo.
12,19
